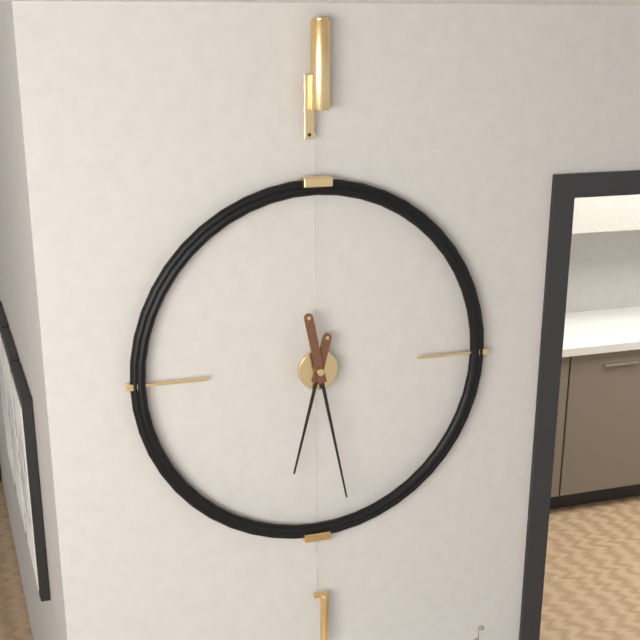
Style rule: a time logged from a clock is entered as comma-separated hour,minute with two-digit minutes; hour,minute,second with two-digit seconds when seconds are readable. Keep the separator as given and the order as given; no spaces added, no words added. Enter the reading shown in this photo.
6,28
